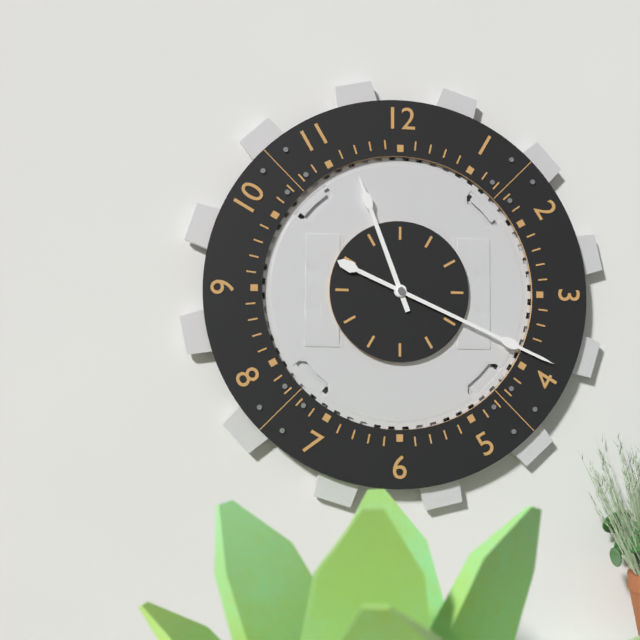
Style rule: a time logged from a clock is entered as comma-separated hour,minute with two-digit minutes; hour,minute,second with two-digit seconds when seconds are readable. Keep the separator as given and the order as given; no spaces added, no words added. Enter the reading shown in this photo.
11,19
